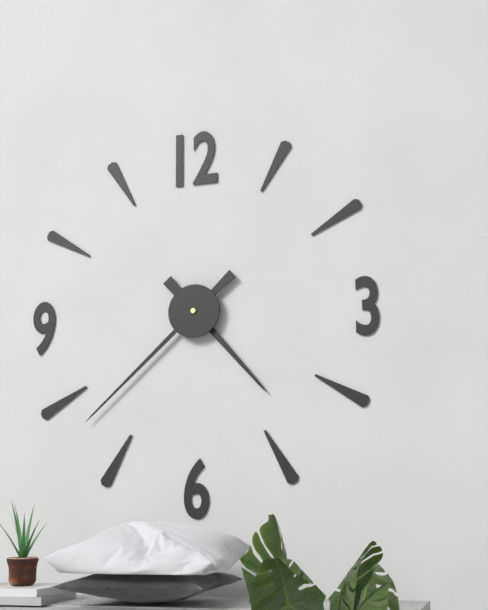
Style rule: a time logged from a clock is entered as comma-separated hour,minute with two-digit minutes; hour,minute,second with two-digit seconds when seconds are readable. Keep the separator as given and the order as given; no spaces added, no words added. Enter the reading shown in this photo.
4,38
